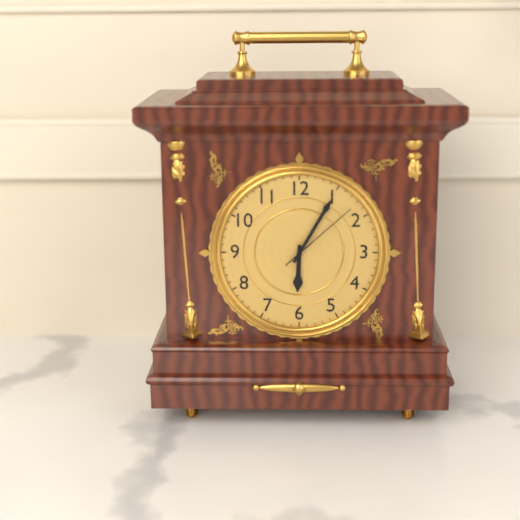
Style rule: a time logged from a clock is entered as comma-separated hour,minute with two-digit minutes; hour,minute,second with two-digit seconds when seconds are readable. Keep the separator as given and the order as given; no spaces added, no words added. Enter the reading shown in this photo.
6,05,08
